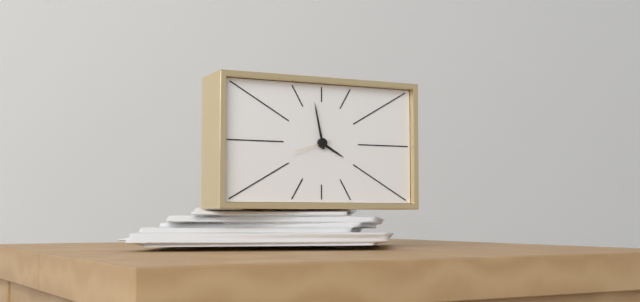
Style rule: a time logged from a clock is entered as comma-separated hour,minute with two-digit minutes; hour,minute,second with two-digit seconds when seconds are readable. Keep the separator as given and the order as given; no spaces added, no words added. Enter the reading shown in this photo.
3,58
